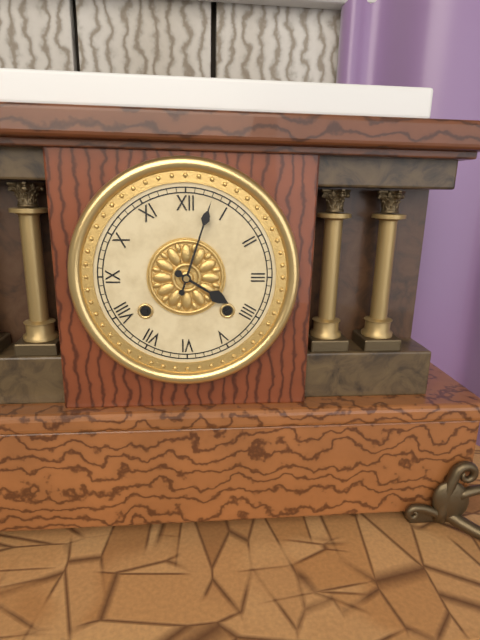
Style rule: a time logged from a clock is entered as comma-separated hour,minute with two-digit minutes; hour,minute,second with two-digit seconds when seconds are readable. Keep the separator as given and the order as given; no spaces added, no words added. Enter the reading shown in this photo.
4,03
